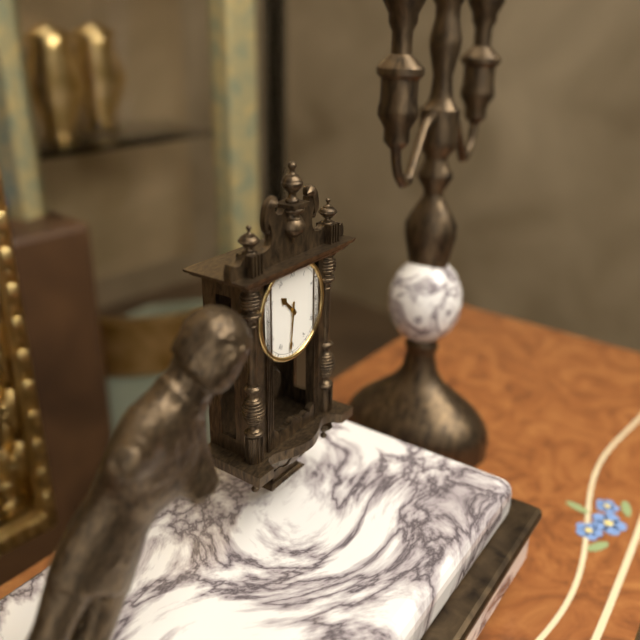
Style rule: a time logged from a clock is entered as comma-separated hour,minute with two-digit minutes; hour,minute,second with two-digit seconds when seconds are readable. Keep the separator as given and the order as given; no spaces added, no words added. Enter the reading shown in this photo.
10,31
